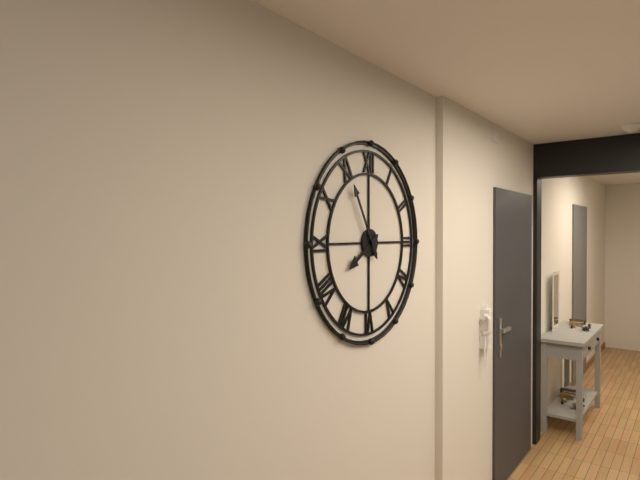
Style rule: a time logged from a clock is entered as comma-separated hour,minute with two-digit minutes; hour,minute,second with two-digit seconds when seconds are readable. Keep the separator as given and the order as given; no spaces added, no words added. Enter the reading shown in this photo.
7,55
